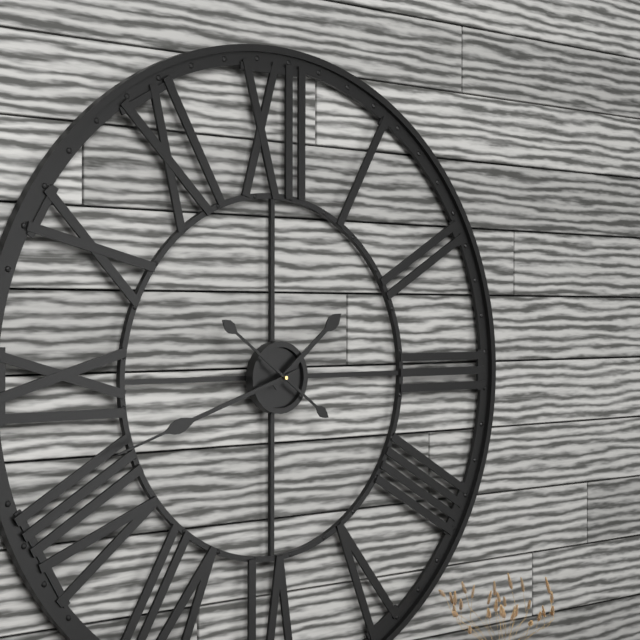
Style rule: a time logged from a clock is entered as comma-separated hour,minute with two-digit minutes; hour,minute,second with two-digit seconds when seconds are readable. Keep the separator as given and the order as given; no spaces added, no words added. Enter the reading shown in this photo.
1,42,51
